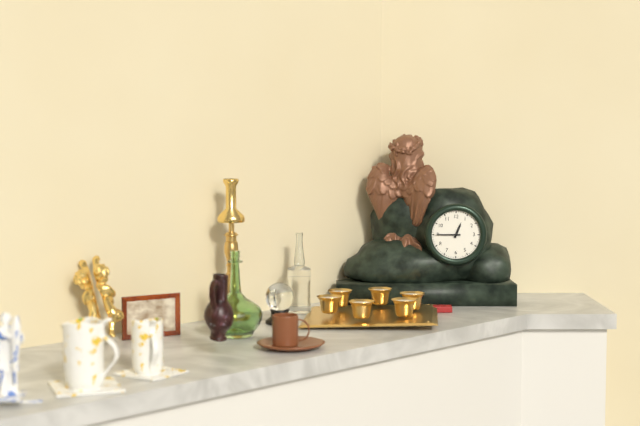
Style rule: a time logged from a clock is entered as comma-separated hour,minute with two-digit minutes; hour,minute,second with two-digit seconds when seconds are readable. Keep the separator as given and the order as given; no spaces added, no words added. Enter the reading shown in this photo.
12,45
